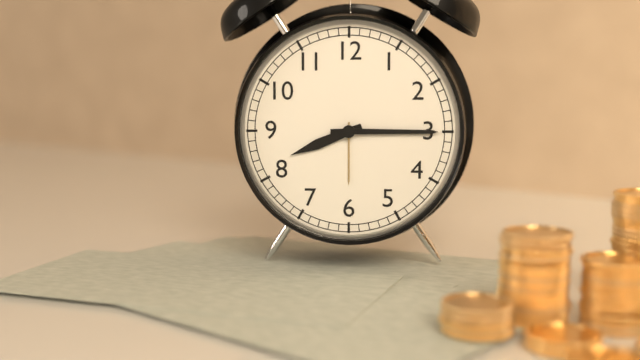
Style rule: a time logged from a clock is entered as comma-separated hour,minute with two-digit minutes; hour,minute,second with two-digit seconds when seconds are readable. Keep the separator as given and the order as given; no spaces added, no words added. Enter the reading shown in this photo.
8,15
